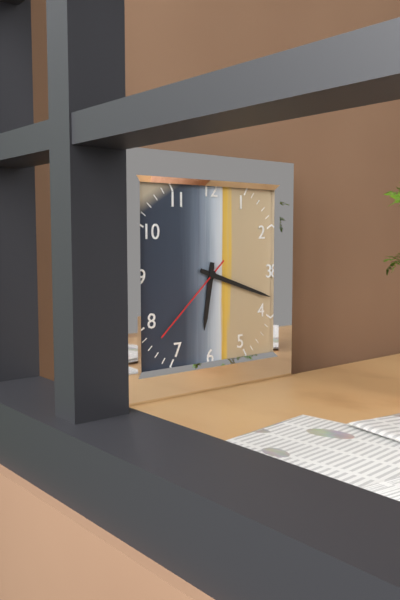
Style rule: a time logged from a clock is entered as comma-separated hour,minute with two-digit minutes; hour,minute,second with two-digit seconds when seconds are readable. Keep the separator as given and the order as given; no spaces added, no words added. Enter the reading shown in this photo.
6,18,38
